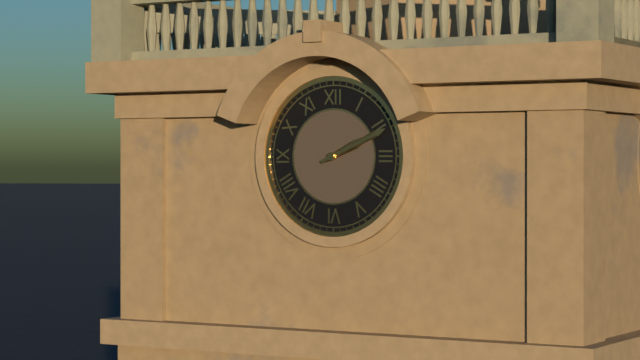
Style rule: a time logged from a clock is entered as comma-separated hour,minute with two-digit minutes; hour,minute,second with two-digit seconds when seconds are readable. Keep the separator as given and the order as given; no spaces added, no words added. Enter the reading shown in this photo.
2,11
